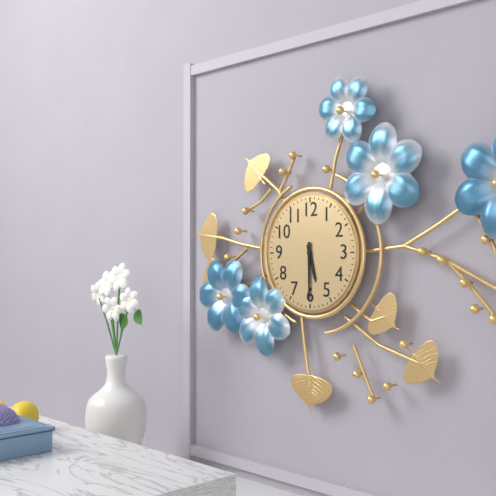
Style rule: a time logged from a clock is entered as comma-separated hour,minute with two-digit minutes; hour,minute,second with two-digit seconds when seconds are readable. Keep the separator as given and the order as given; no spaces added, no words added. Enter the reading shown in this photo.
5,30
